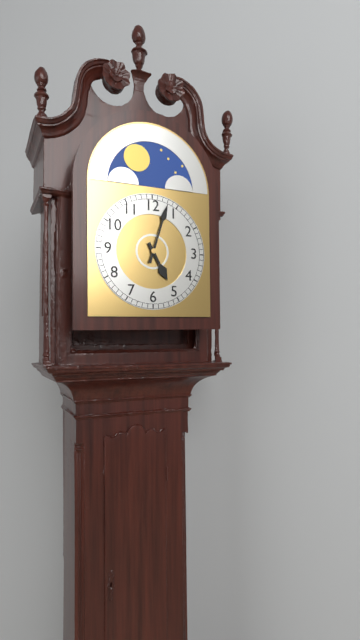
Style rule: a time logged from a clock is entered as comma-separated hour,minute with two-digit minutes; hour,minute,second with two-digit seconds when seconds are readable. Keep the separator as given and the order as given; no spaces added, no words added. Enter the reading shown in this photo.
5,03
